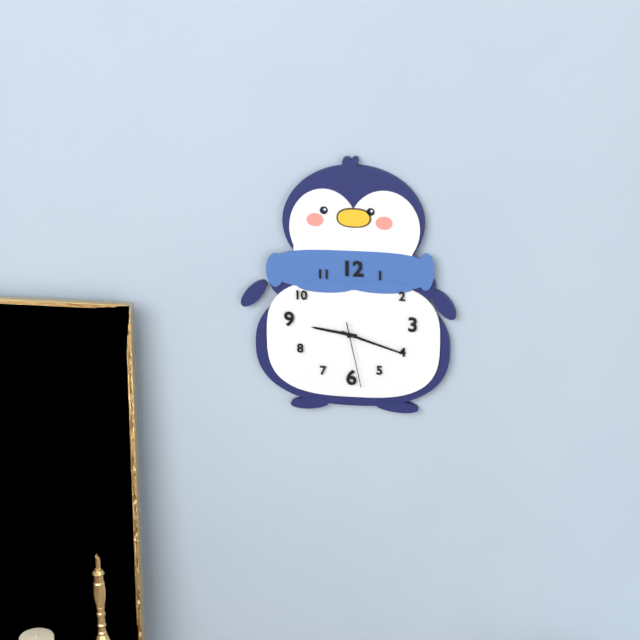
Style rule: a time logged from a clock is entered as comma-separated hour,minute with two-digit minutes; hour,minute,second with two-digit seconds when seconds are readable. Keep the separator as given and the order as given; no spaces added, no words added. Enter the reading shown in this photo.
9,18,28
